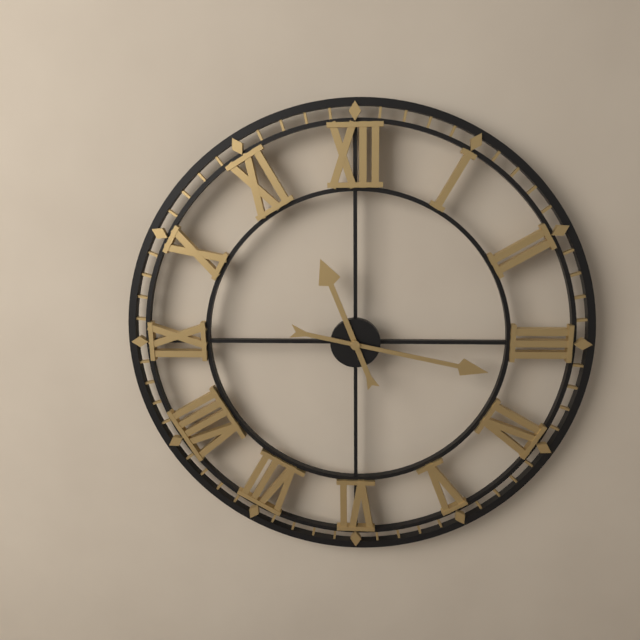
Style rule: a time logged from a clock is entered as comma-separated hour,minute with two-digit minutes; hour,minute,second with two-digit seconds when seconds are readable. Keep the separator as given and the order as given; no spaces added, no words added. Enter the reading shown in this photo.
11,17
